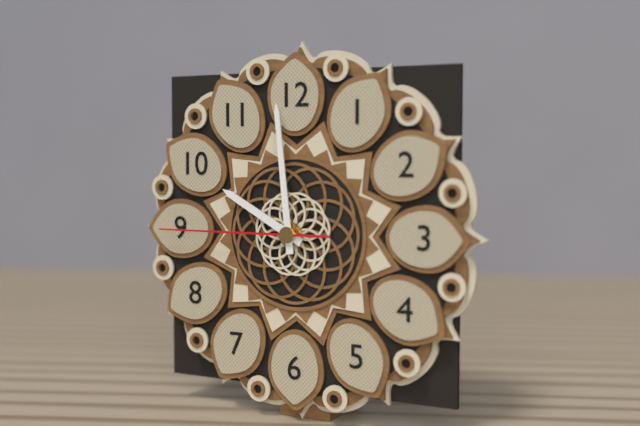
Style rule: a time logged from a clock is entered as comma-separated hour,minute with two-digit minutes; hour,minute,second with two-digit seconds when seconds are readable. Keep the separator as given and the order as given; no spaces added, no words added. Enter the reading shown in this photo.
9,59,45
